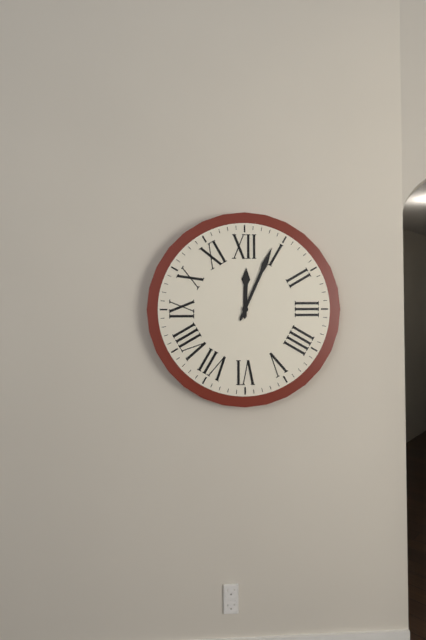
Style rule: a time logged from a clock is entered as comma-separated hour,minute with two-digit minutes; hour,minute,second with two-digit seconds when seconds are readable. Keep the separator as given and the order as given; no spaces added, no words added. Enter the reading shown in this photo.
12,04
